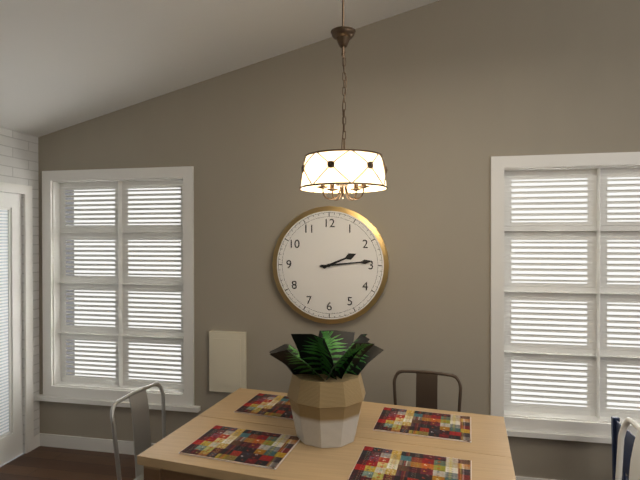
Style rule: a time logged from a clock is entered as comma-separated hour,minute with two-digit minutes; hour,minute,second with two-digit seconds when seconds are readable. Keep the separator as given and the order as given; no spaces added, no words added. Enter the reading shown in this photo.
2,14
